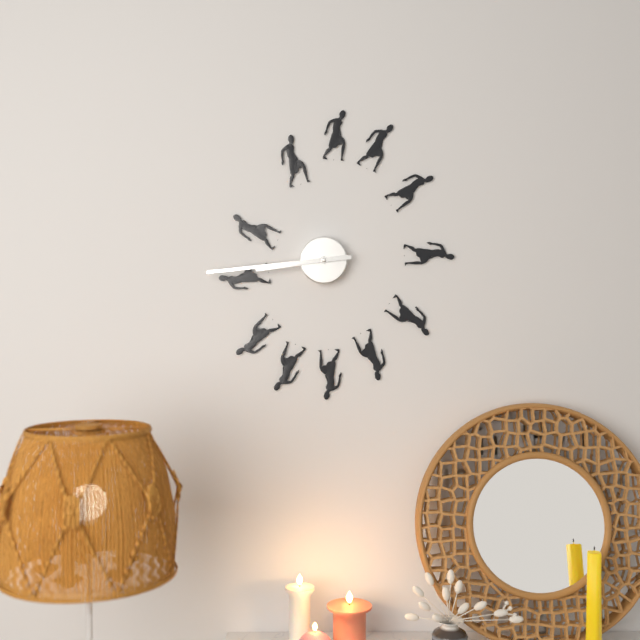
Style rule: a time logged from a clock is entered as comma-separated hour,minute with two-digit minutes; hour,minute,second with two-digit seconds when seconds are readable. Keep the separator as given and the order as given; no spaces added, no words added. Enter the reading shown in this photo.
8,44
